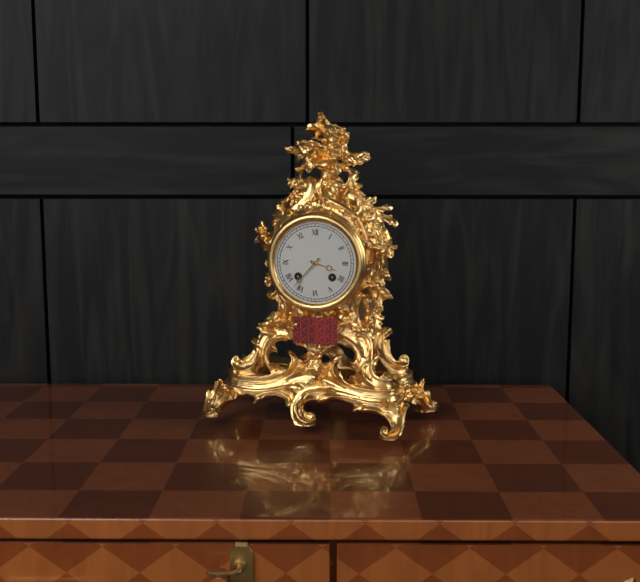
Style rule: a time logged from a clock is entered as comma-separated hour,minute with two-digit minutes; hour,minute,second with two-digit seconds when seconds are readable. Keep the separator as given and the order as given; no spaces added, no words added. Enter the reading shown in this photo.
3,37
